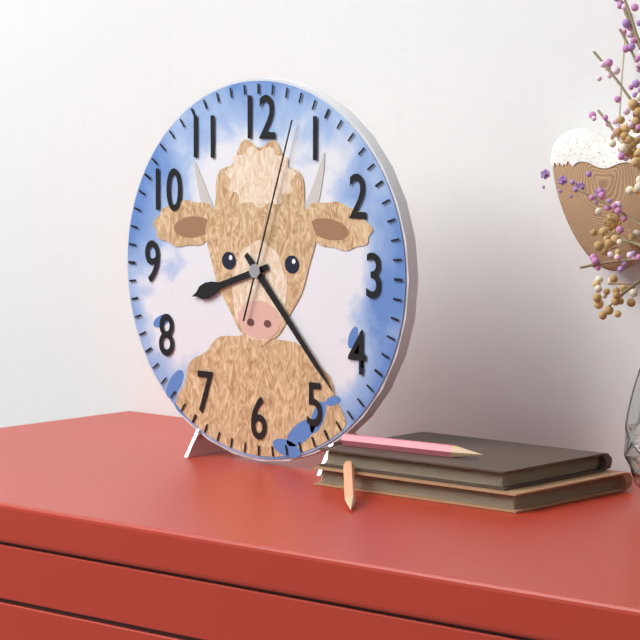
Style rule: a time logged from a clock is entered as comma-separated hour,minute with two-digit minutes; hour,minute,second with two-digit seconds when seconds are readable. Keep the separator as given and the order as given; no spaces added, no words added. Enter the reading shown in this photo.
8,23,03
